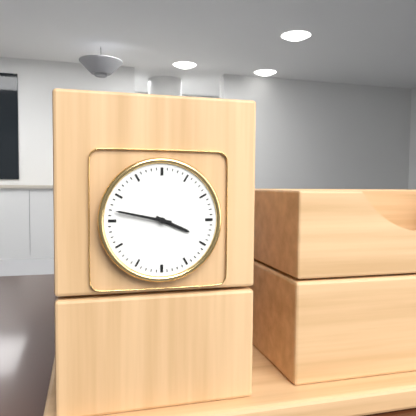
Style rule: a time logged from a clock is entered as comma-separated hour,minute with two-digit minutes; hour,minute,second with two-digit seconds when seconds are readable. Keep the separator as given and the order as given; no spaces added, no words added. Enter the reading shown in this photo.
3,47
